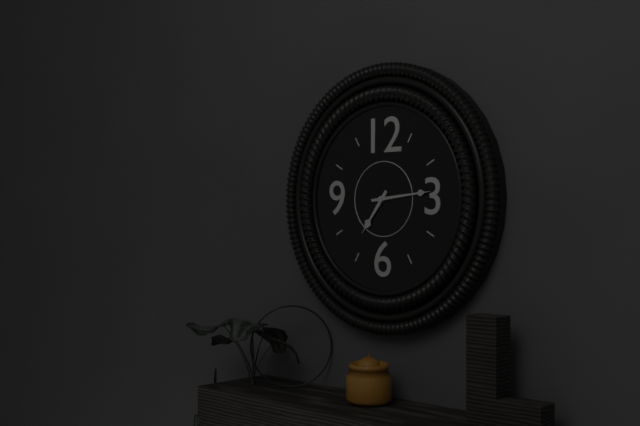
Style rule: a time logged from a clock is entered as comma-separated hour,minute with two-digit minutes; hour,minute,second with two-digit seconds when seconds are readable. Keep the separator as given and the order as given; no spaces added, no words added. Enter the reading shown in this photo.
7,14
